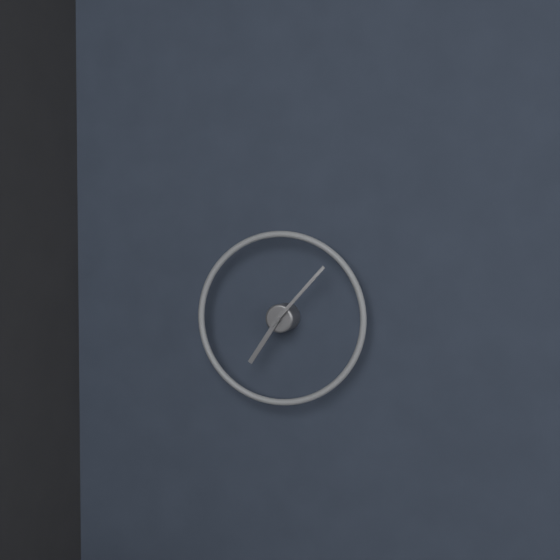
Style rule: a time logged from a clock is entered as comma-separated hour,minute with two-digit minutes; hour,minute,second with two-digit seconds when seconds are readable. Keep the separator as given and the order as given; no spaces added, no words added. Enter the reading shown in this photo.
7,07
